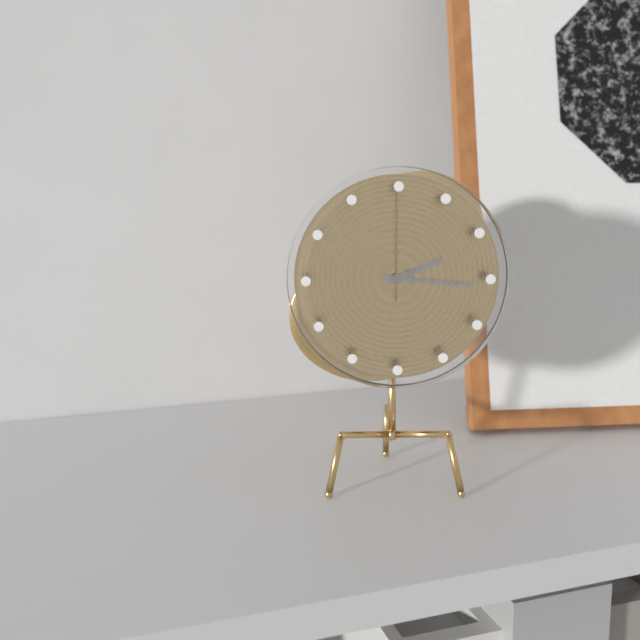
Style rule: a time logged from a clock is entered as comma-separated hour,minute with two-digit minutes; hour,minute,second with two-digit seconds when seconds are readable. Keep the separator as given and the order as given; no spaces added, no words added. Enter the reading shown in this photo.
2,16,00
